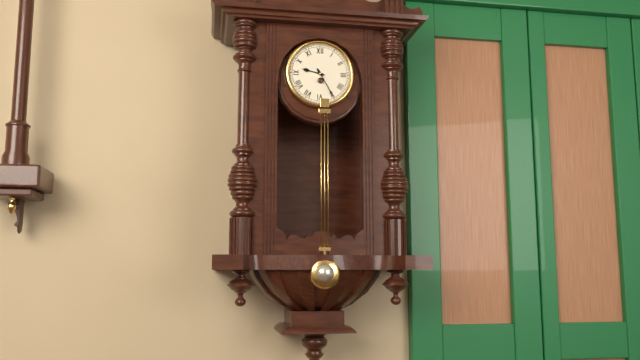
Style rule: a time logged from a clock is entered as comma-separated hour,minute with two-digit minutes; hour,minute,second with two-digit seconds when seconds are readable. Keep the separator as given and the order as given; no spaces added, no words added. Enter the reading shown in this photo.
9,25
